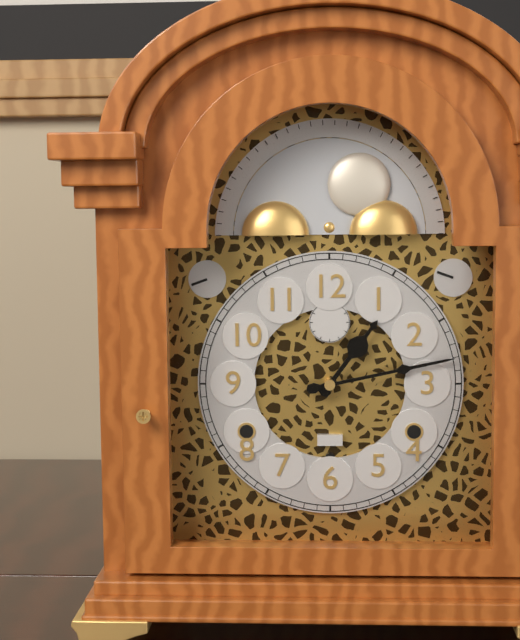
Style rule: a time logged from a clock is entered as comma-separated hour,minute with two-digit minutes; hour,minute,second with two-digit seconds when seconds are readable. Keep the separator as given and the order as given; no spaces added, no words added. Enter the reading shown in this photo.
1,13
